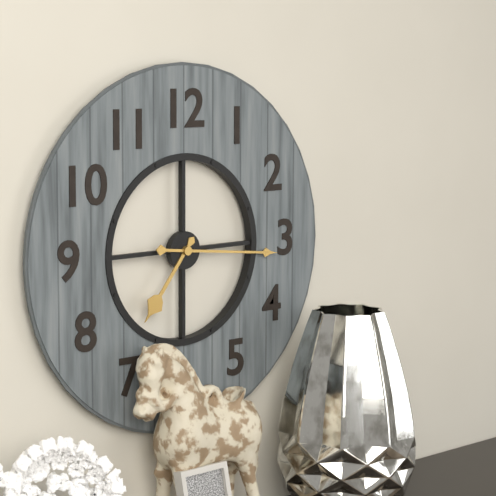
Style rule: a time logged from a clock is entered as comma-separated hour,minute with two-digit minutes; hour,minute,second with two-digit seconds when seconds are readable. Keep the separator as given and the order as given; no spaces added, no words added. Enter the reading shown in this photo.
7,16
